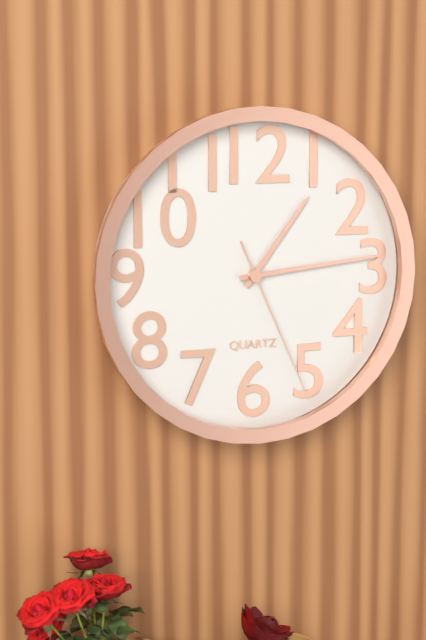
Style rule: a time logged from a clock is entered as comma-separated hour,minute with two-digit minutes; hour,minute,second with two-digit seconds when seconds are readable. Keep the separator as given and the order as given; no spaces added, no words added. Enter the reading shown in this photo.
1,14,26
